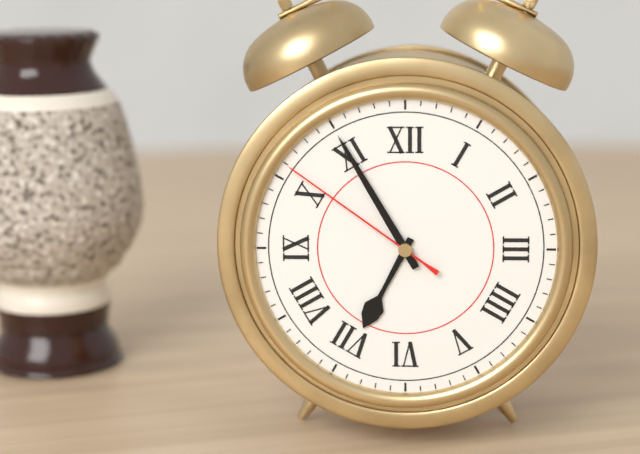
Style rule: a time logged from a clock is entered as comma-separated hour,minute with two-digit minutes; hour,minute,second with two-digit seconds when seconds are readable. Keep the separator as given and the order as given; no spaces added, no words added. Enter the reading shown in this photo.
6,55,51
